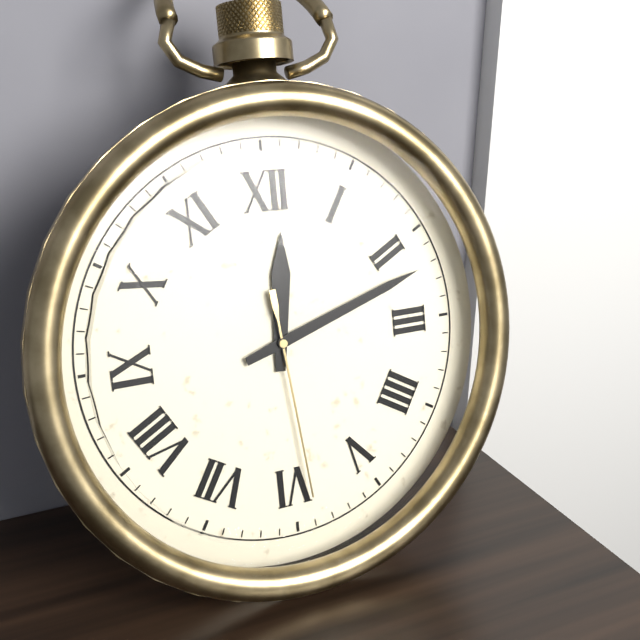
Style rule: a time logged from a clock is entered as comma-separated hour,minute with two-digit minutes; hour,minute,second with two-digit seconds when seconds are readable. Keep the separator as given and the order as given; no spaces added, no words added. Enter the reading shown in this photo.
12,12,29
